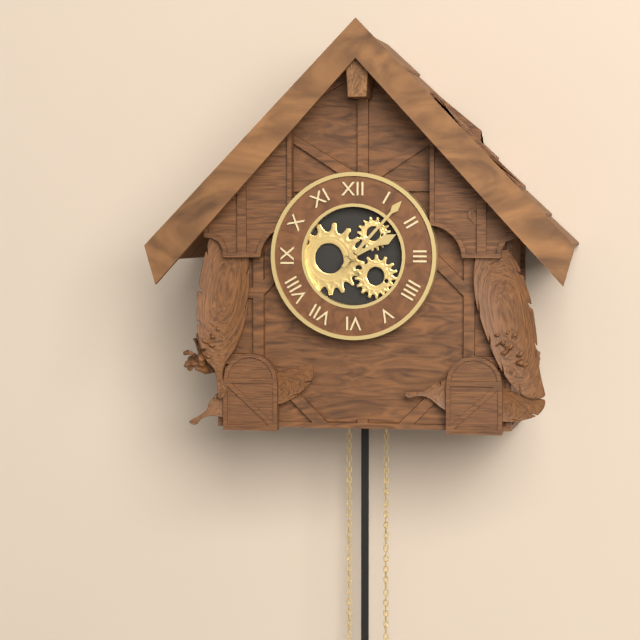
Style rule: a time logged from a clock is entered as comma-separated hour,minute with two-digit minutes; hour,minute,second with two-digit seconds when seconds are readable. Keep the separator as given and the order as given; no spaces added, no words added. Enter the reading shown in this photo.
2,07
